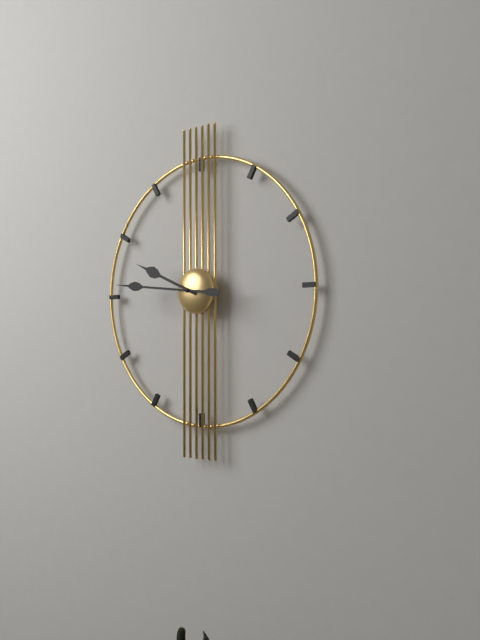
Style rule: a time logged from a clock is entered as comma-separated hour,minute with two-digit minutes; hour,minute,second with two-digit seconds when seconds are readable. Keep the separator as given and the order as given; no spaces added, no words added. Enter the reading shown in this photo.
9,46
